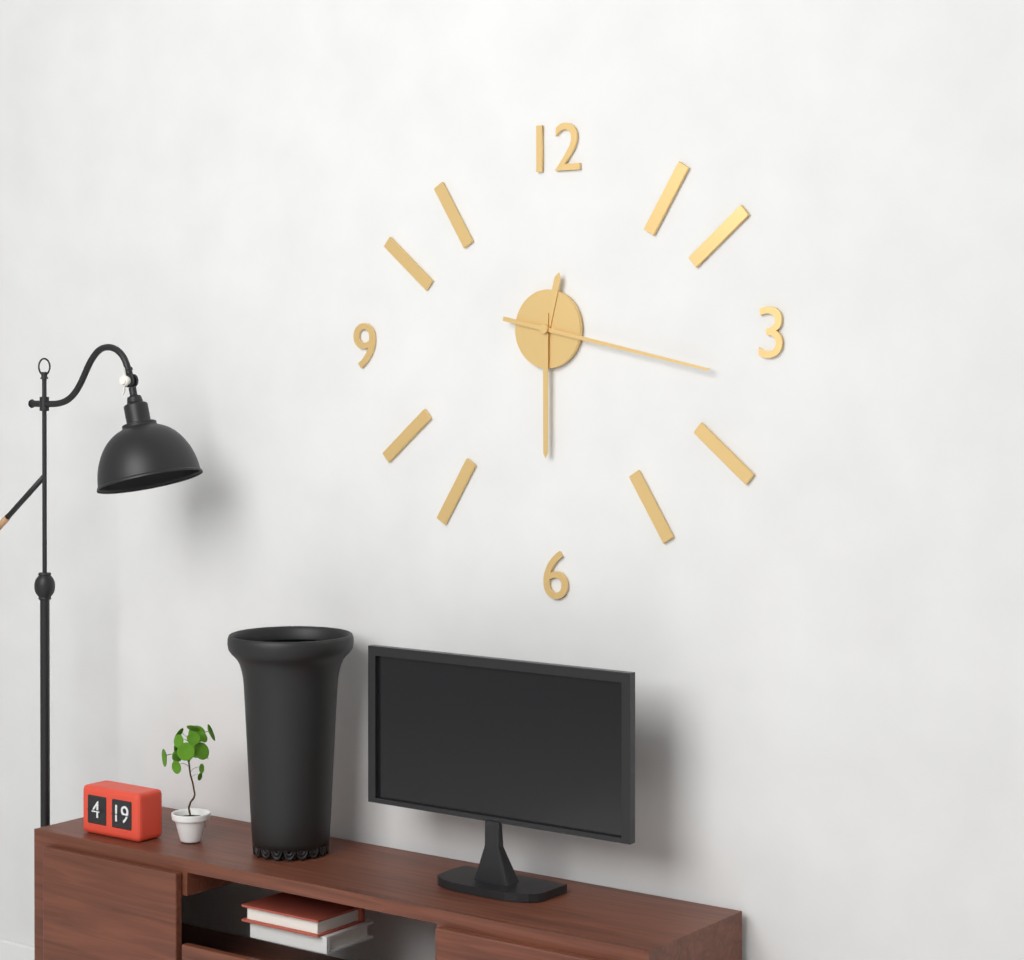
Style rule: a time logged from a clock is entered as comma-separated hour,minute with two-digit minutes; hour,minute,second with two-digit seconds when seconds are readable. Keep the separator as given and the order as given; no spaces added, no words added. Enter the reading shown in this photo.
12,30,17
